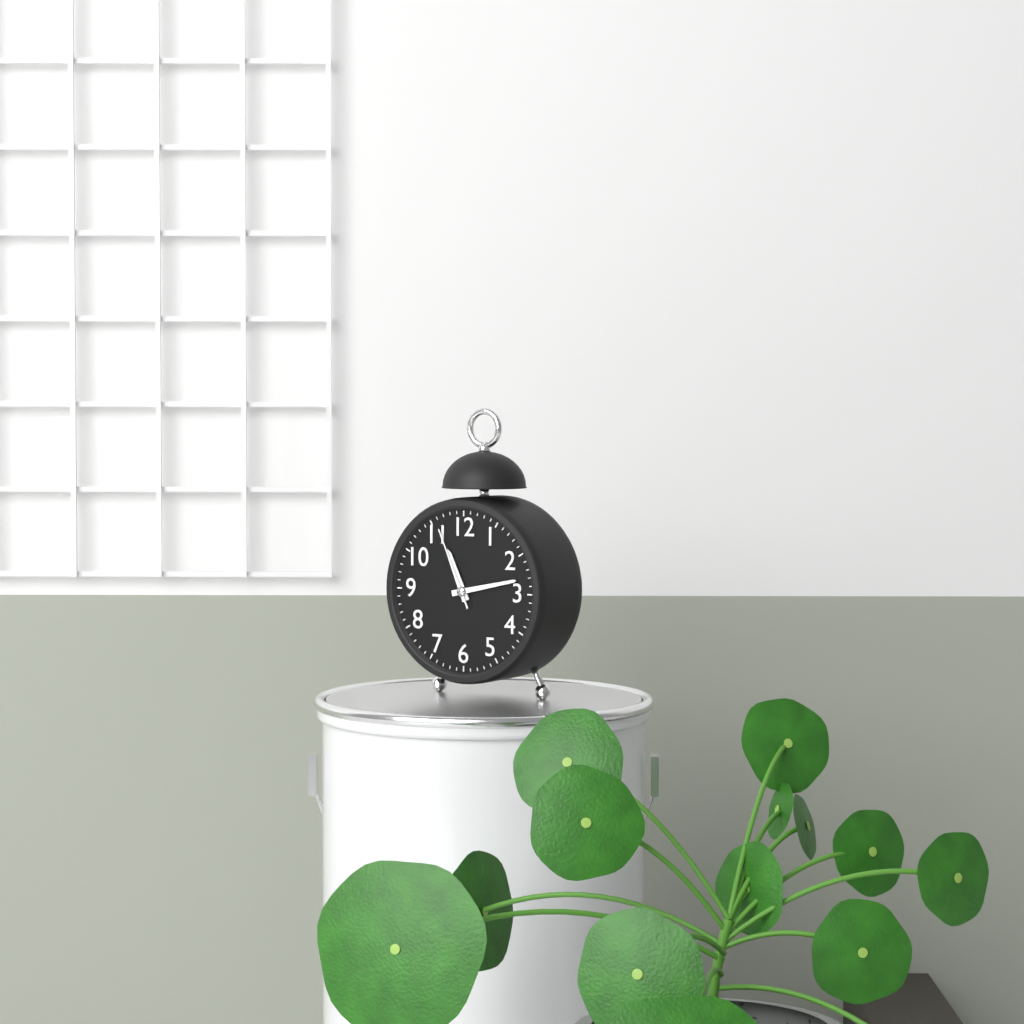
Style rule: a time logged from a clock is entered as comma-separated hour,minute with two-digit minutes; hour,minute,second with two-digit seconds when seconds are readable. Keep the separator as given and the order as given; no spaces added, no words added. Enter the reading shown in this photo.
11,13,56
